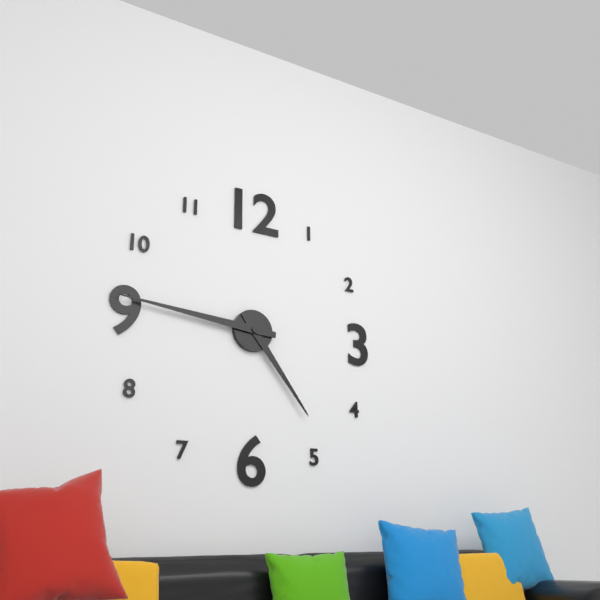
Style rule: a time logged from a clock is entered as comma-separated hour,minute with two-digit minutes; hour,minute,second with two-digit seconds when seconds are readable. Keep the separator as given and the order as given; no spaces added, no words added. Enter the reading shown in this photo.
4,46
